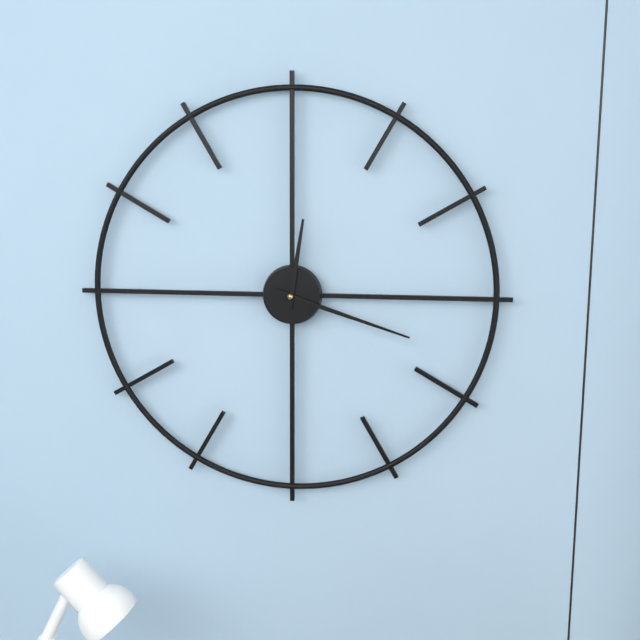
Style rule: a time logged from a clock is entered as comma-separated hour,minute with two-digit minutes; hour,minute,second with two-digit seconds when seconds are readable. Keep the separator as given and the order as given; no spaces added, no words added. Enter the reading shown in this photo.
12,18
